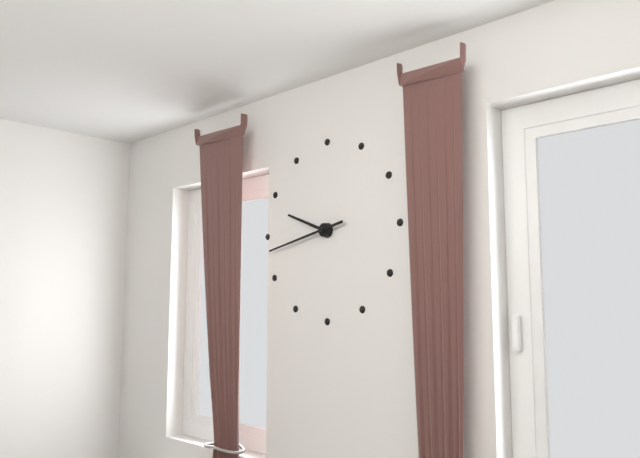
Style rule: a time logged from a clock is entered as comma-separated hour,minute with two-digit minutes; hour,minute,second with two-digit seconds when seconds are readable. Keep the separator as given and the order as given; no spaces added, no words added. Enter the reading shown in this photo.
9,43
